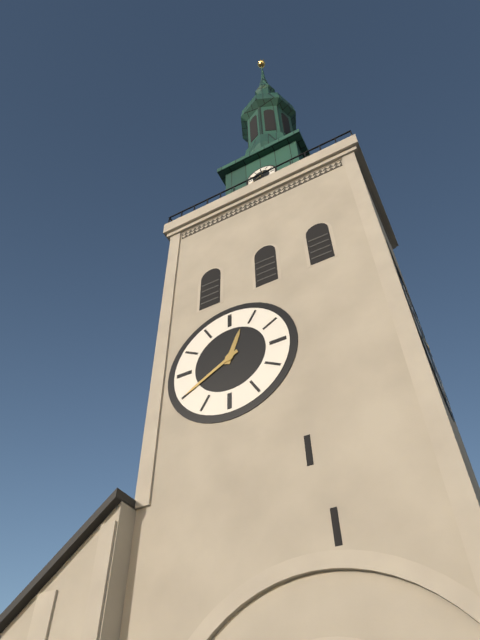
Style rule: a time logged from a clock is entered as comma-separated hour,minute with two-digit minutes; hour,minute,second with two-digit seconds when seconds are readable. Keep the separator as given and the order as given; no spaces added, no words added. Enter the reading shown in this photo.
12,40
